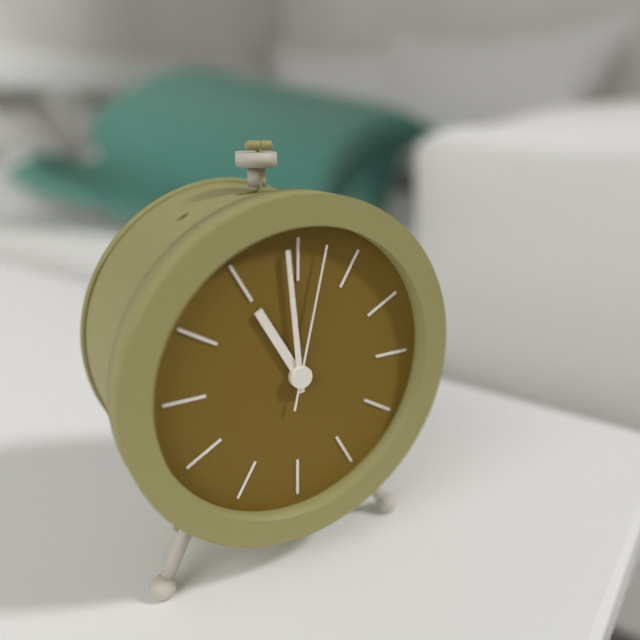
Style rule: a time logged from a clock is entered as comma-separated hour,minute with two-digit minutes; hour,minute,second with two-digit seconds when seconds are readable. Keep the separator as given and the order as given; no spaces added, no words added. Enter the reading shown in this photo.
10,59,02
